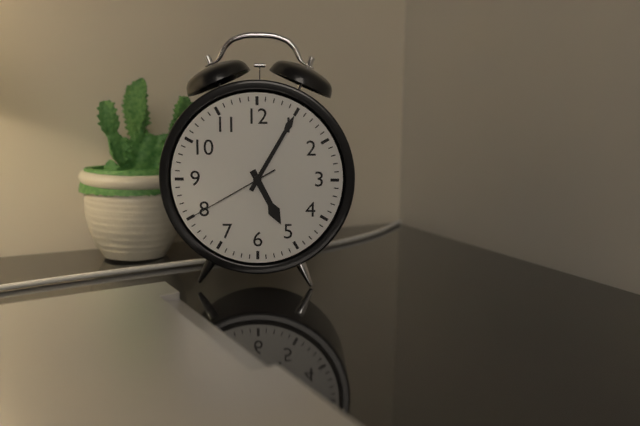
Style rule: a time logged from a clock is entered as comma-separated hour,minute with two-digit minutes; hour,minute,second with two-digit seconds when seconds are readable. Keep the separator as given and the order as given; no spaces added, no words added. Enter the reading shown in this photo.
5,05,40
